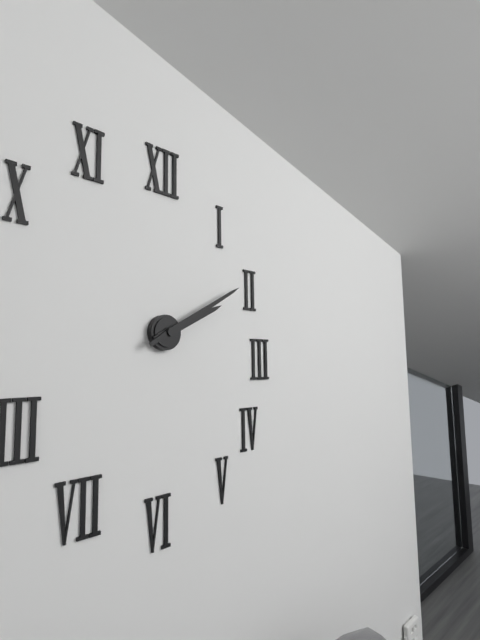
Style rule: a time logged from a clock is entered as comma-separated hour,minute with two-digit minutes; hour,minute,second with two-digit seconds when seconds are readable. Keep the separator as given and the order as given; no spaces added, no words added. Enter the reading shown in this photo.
2,10
